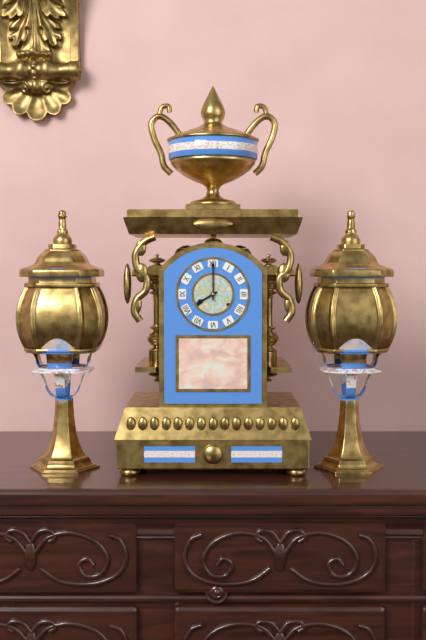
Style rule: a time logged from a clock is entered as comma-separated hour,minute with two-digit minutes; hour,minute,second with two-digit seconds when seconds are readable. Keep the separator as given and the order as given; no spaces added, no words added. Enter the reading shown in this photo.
8,00
